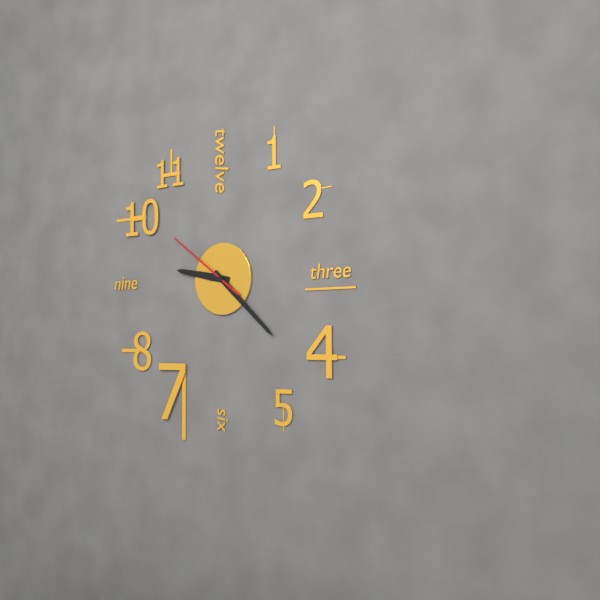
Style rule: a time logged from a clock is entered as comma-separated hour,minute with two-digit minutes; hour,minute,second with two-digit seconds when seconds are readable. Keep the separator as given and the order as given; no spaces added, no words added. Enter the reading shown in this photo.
9,22,51
